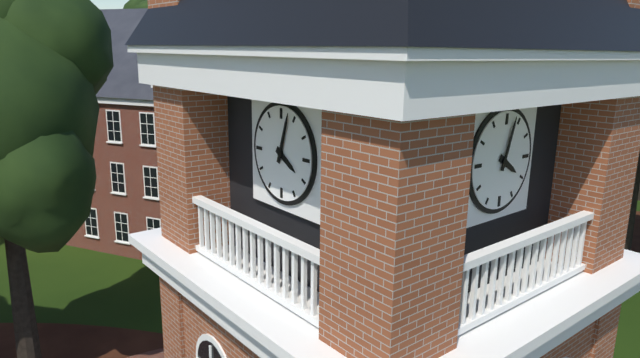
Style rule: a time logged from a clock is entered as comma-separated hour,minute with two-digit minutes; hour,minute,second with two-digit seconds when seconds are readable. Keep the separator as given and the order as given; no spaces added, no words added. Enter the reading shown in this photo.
4,03
